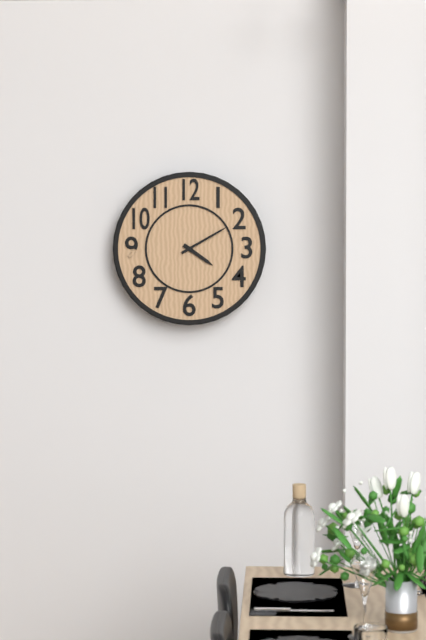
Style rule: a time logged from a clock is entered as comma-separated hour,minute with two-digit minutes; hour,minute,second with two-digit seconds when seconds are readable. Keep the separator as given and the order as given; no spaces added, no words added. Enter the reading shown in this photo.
4,10
